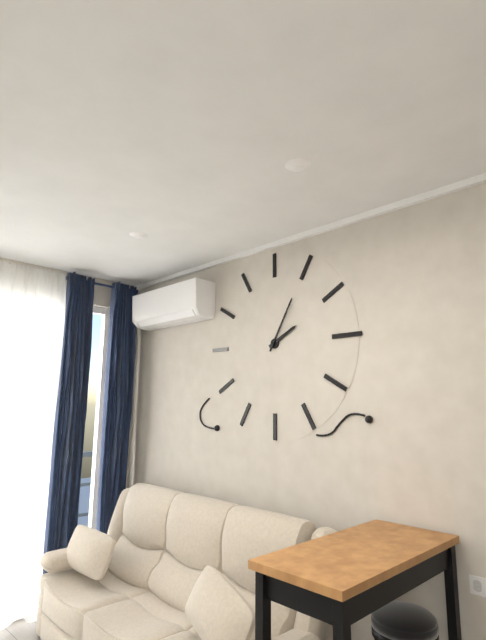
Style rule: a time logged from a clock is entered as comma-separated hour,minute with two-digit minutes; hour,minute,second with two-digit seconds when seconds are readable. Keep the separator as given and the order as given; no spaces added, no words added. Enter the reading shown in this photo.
2,05
